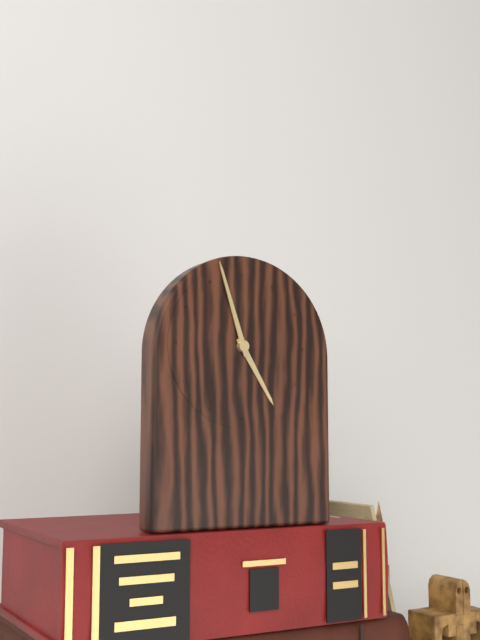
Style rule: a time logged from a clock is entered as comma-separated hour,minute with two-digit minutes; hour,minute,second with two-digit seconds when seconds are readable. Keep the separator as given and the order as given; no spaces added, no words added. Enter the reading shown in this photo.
4,57
